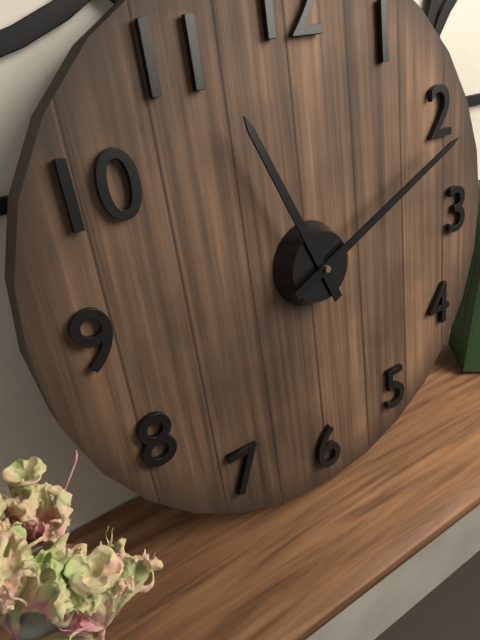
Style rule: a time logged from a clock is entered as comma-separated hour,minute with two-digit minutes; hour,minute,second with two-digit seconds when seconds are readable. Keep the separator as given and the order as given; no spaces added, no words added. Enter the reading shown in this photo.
11,11
